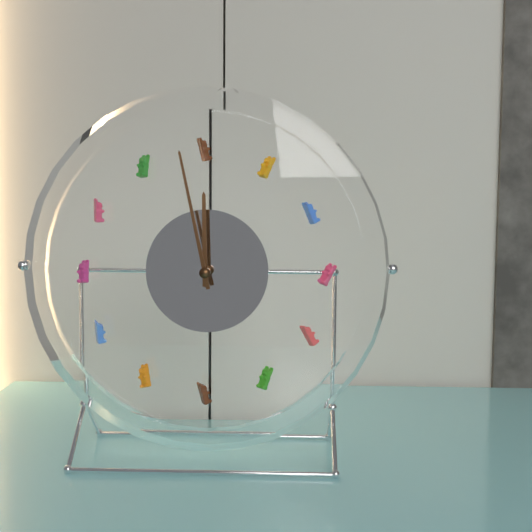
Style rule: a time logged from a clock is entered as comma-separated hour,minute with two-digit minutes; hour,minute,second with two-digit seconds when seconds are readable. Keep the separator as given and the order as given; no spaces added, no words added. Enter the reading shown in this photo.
11,58
